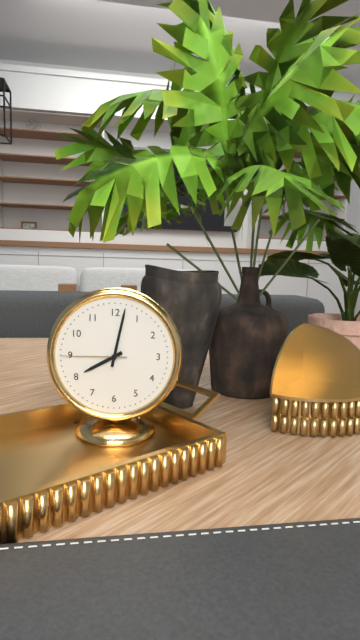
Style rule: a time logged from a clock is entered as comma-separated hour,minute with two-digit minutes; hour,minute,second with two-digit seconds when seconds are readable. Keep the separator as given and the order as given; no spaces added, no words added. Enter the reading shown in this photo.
8,02,45
